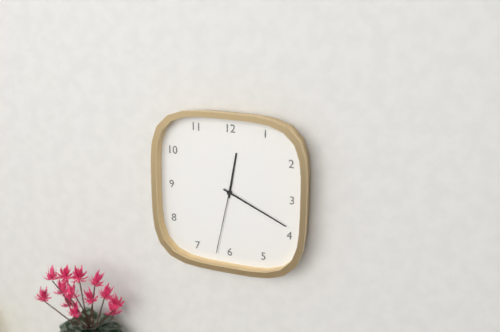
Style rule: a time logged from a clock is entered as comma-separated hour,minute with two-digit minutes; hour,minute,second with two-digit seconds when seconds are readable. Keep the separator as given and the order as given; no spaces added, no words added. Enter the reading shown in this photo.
12,19,32
